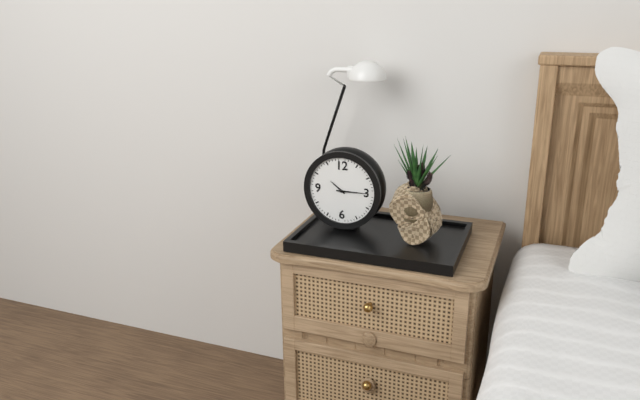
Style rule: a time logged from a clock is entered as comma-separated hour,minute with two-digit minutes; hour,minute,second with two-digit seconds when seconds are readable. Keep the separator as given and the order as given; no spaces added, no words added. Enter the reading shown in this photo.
10,15
